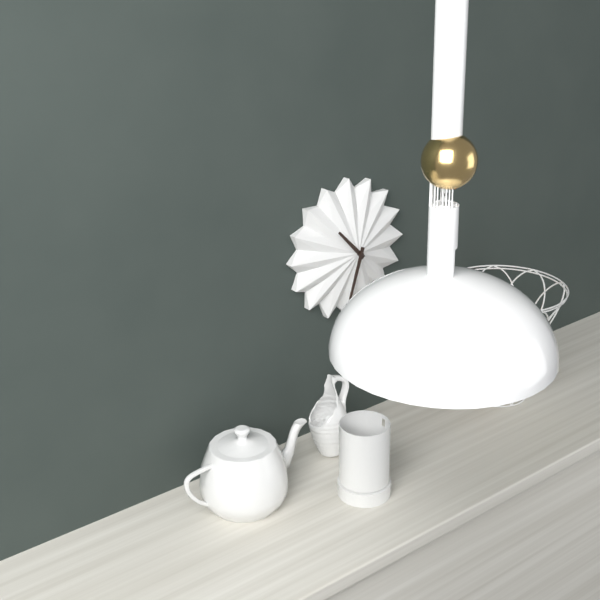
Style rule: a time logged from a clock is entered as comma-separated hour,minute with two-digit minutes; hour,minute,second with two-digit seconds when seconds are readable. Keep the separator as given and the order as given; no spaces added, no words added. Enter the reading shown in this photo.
10,33
